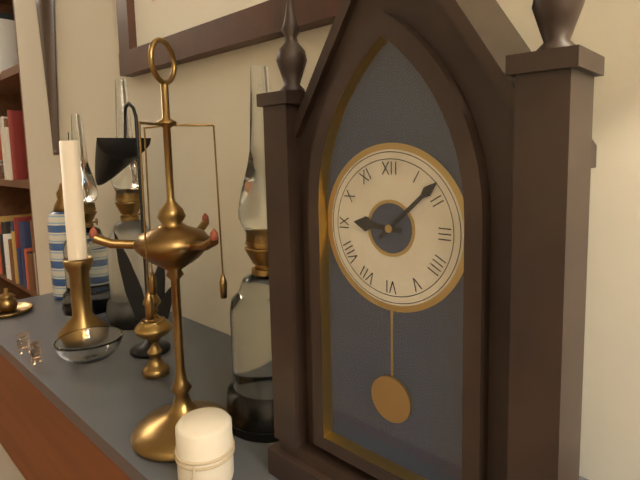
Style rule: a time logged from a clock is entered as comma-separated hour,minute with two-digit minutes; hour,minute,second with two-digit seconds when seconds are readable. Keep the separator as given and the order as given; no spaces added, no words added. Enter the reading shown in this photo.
9,08
